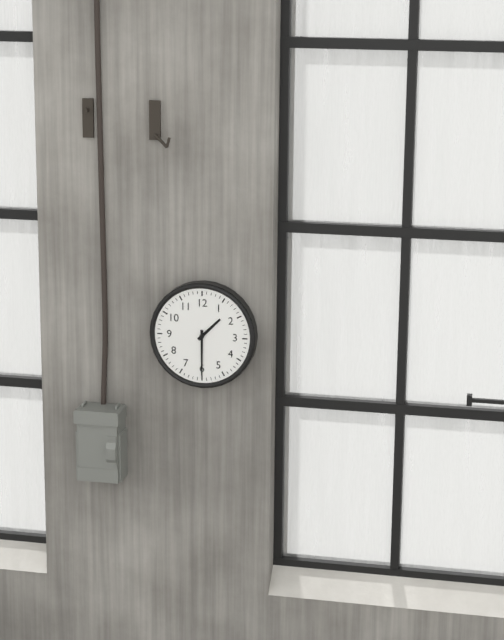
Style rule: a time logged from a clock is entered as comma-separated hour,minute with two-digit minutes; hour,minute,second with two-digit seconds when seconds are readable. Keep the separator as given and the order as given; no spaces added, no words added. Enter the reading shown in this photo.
1,30
